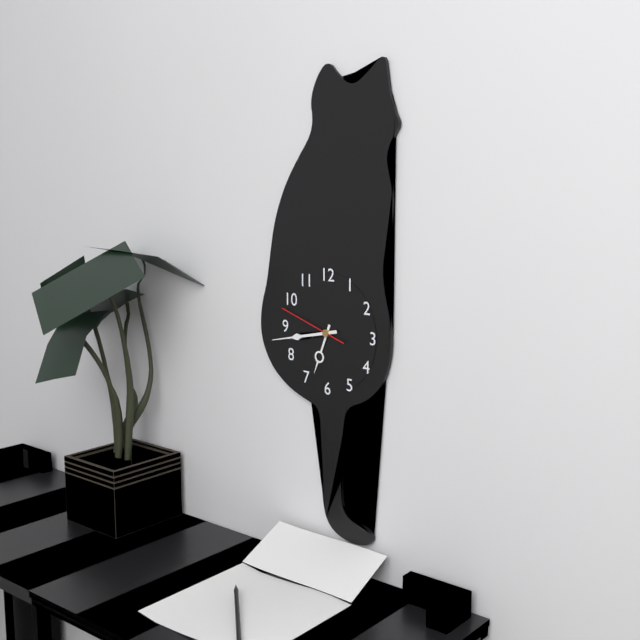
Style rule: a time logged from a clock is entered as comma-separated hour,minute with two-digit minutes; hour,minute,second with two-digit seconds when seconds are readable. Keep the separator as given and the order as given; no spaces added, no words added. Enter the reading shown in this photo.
6,43,48
